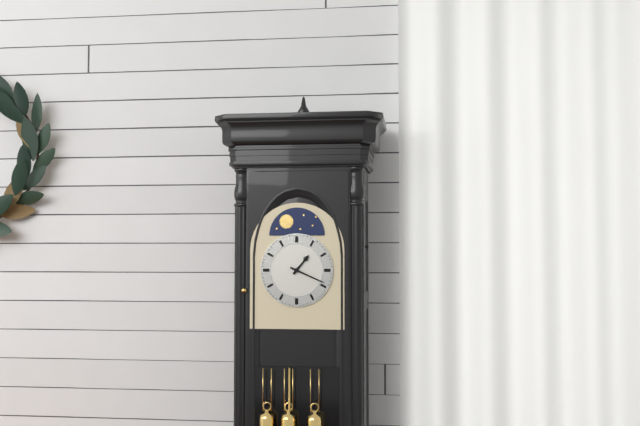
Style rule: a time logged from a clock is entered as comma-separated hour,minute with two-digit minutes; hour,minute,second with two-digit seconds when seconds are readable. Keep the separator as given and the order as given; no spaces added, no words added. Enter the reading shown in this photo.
1,19
